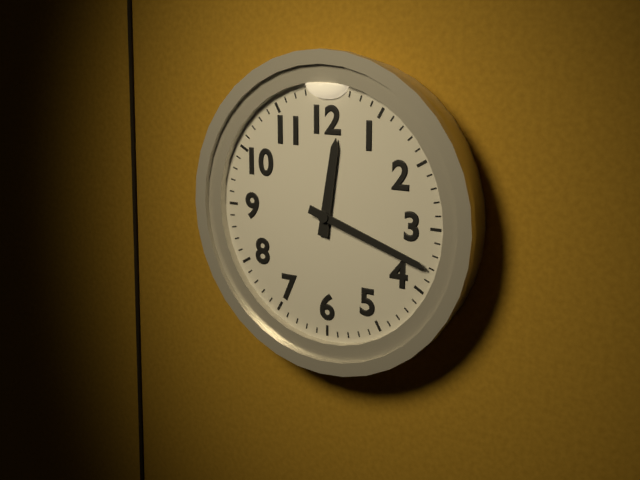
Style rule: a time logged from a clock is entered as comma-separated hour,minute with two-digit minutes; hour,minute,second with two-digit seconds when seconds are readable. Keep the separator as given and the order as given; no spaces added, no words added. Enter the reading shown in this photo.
12,18
